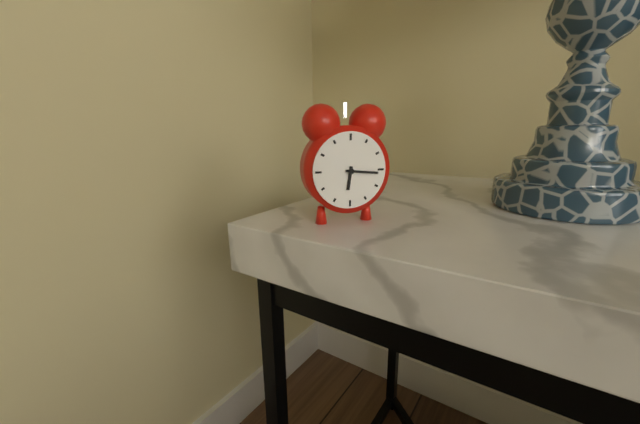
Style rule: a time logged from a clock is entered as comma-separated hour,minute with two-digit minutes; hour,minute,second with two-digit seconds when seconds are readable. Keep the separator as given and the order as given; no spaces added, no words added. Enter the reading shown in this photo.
6,16
